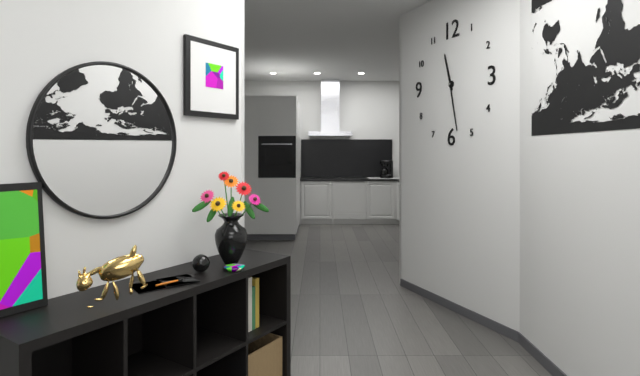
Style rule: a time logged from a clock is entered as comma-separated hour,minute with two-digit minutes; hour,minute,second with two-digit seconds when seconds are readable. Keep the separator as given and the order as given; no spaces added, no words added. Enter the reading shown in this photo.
11,28
